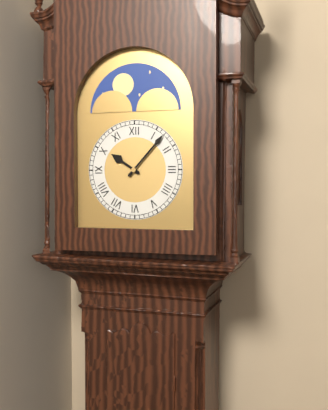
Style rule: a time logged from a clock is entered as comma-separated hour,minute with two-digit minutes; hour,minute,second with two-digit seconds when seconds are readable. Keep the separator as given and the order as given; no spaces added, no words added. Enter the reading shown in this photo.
10,07
